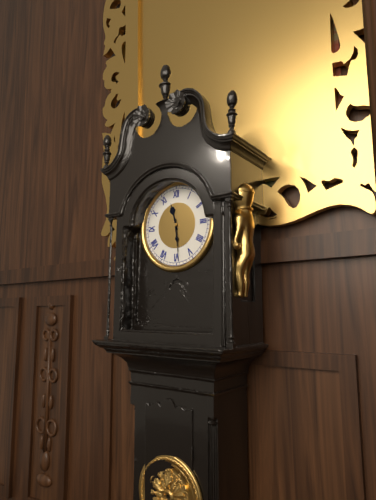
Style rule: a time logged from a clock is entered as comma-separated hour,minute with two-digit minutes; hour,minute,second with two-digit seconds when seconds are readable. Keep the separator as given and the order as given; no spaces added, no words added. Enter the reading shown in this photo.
11,29
